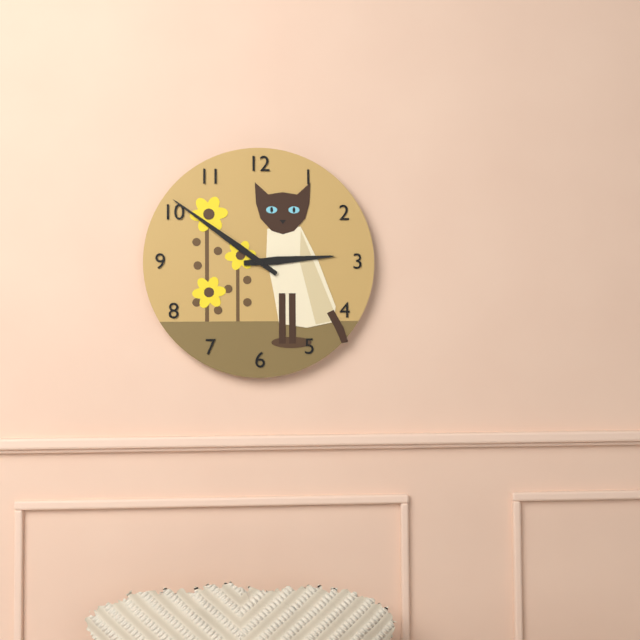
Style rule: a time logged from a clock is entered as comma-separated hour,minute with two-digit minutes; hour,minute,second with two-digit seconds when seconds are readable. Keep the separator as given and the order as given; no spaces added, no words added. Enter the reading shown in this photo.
2,51
